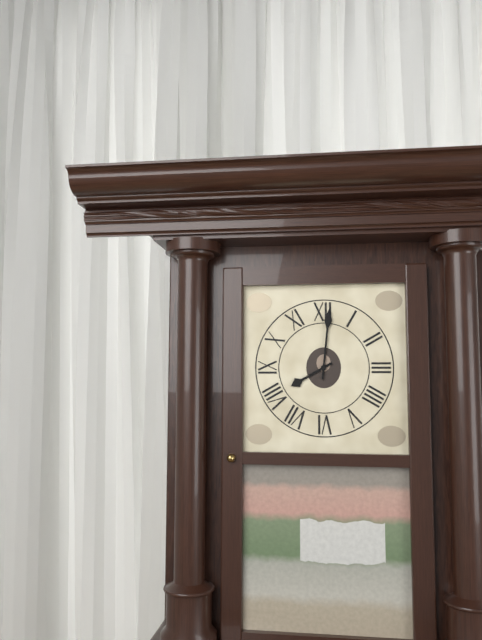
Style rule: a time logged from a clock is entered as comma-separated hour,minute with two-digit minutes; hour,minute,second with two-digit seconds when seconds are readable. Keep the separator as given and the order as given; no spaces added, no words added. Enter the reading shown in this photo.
8,01
